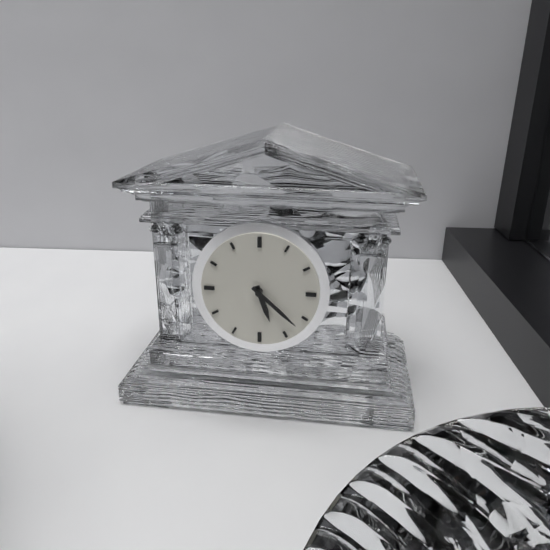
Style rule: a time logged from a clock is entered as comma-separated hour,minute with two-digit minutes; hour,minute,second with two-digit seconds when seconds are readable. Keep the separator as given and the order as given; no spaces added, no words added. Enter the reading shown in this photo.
5,22
